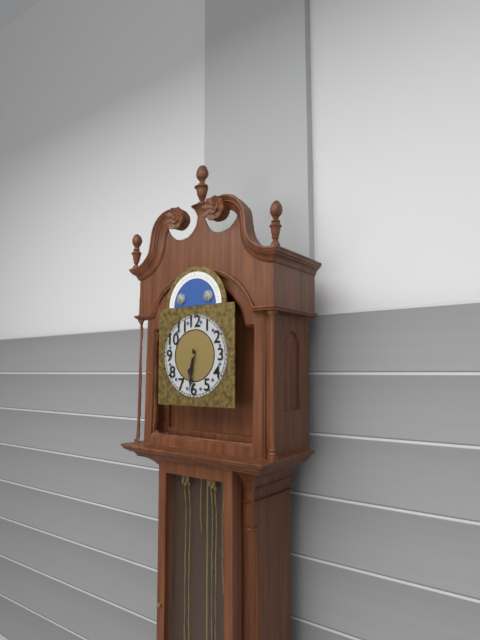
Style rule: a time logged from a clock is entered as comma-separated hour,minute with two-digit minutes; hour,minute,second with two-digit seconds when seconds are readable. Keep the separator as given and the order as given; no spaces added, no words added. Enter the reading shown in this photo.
6,31
